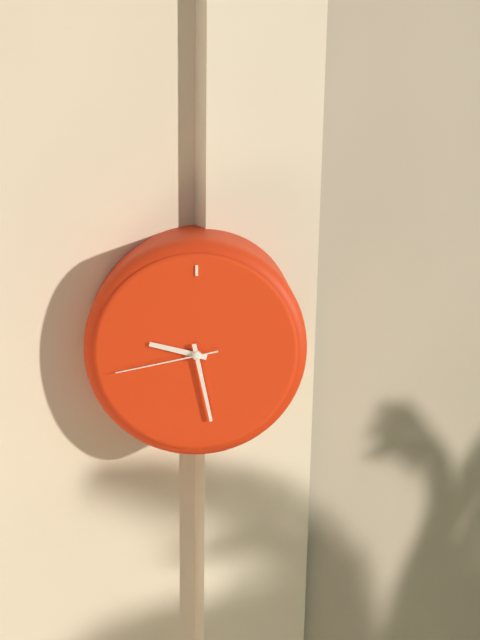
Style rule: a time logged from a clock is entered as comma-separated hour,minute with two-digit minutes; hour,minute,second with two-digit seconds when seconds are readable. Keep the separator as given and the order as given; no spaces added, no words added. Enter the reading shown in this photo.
9,28,43
